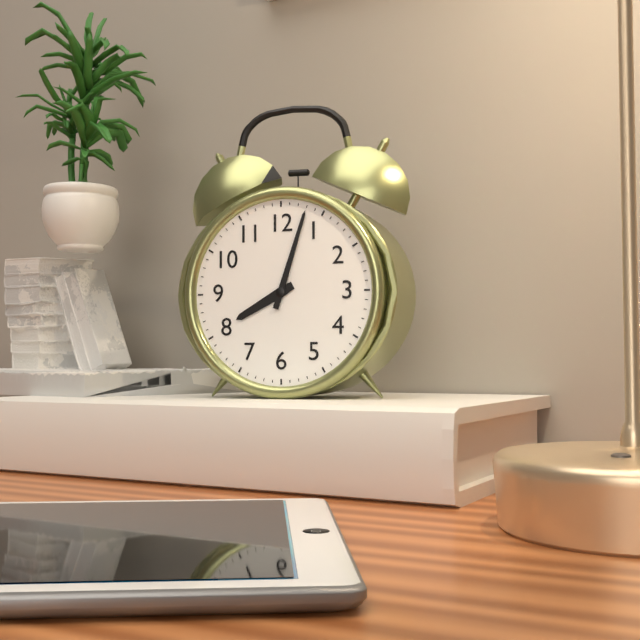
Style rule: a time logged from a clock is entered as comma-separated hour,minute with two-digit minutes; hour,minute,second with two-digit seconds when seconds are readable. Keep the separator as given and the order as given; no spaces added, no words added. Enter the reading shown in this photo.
8,03
